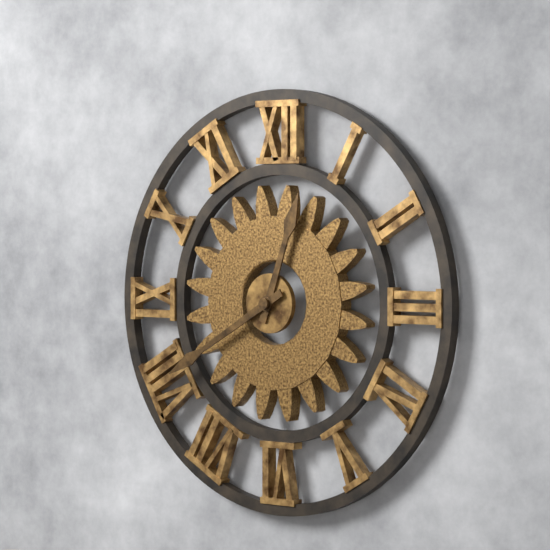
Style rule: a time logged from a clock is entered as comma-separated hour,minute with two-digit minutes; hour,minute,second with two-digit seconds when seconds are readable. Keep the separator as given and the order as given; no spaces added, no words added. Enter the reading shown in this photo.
12,40
